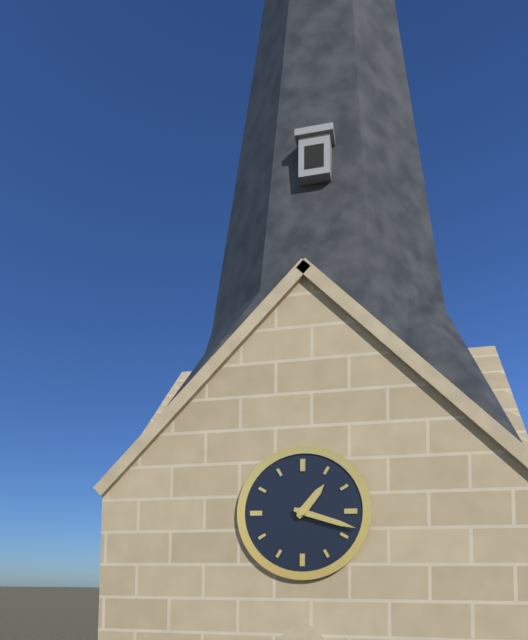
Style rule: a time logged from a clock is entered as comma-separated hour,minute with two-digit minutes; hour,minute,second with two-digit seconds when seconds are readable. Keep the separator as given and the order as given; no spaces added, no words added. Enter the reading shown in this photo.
1,18
